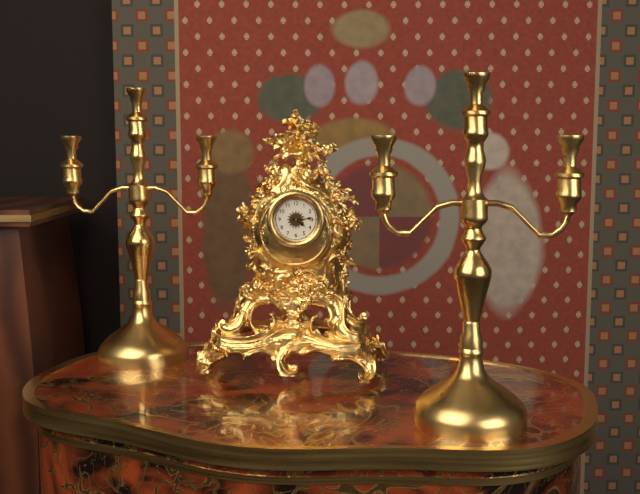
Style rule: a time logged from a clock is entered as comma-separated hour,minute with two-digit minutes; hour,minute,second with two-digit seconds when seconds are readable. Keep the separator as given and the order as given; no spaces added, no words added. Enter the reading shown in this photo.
4,14
